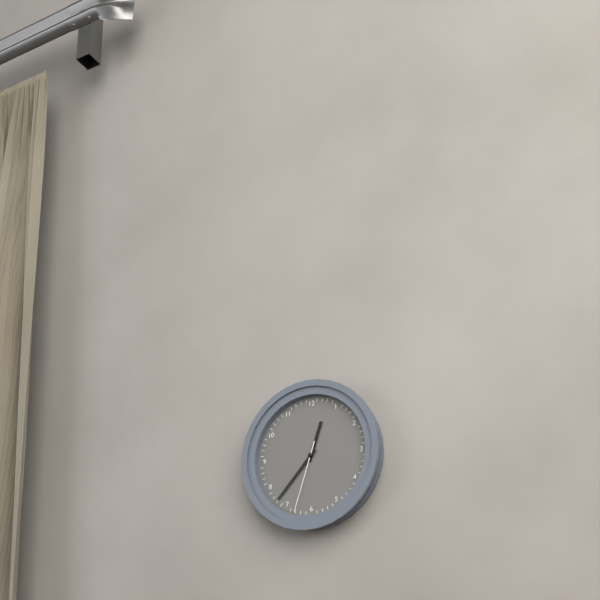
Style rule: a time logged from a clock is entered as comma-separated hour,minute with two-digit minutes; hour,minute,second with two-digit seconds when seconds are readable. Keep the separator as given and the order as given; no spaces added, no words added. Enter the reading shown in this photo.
12,37,33
